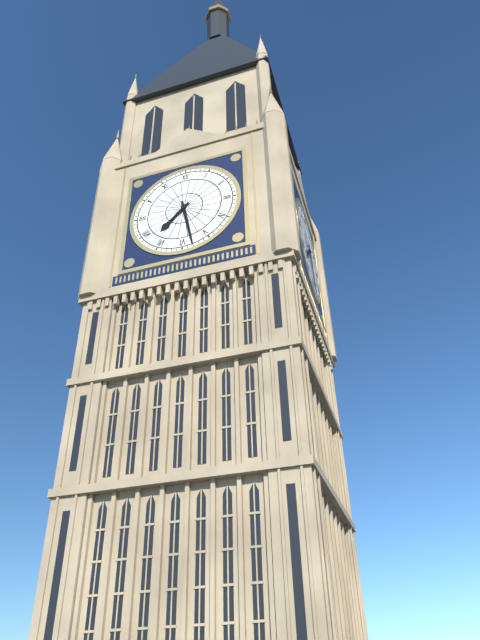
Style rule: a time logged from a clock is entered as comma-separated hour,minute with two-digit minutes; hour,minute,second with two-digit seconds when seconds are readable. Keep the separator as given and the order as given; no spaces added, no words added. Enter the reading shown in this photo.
7,28
